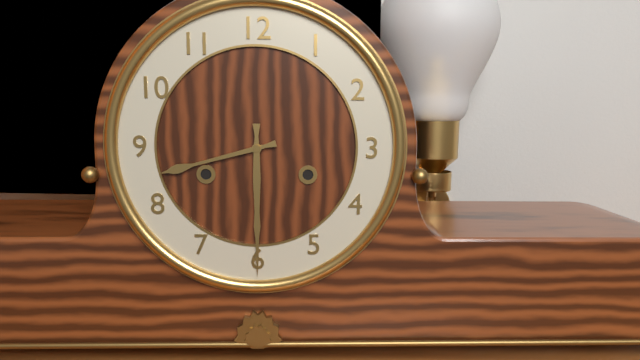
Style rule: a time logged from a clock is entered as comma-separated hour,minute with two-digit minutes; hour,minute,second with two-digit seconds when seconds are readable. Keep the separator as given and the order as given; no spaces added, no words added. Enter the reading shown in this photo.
8,30
